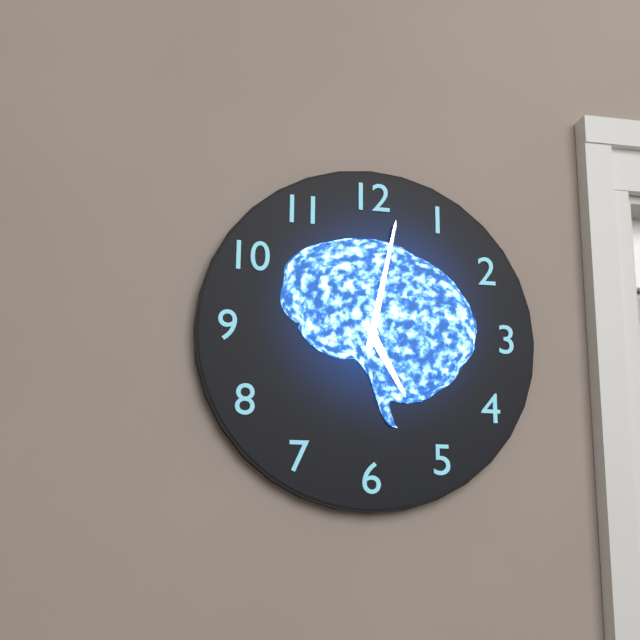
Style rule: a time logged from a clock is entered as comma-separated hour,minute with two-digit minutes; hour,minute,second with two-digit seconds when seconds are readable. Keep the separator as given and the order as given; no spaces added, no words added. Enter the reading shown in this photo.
5,02
